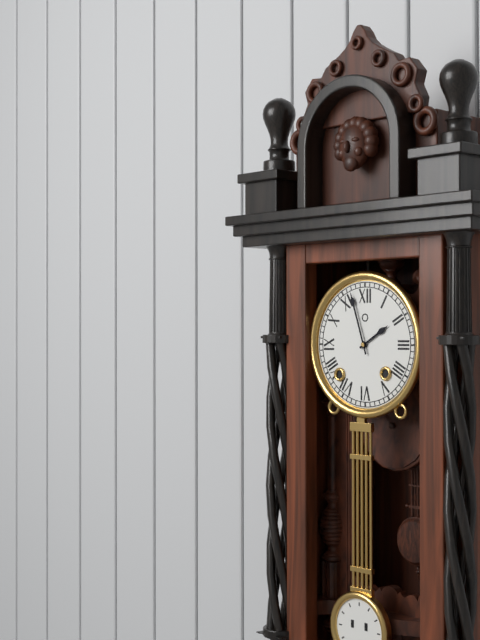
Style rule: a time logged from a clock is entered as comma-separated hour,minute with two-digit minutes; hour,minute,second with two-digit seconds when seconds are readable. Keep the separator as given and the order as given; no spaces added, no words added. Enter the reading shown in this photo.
1,57
